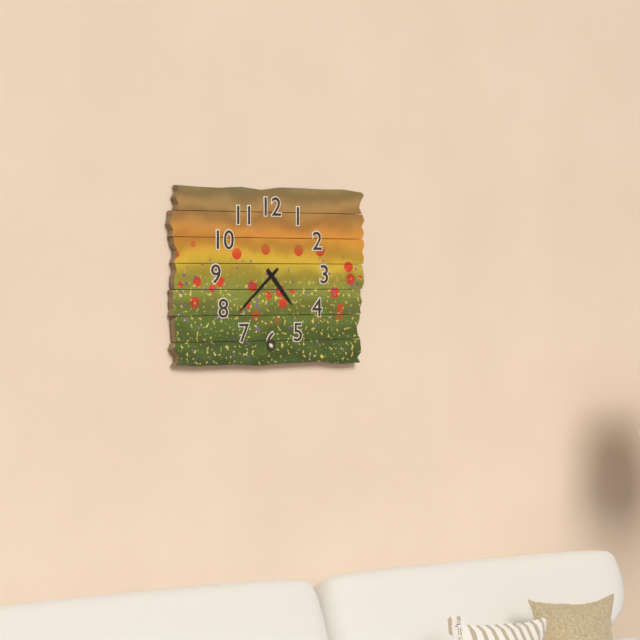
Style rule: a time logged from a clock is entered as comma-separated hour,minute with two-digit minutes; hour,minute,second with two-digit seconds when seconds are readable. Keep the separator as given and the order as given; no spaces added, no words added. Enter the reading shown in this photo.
4,38
